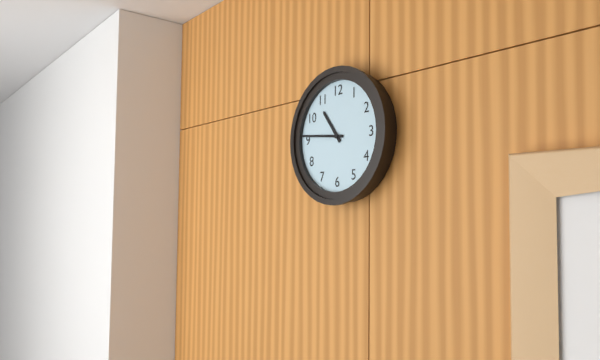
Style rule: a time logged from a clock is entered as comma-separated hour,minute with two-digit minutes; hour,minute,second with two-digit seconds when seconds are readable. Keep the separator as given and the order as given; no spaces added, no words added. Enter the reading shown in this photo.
10,46
